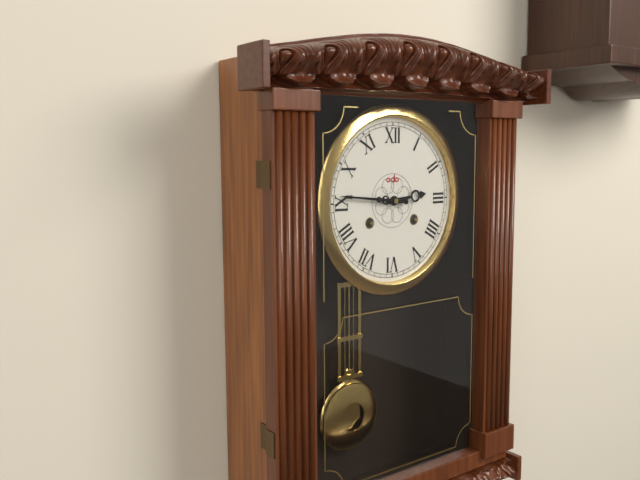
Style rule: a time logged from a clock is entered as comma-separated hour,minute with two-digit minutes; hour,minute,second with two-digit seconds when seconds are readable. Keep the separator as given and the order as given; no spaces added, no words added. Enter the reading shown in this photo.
2,46
